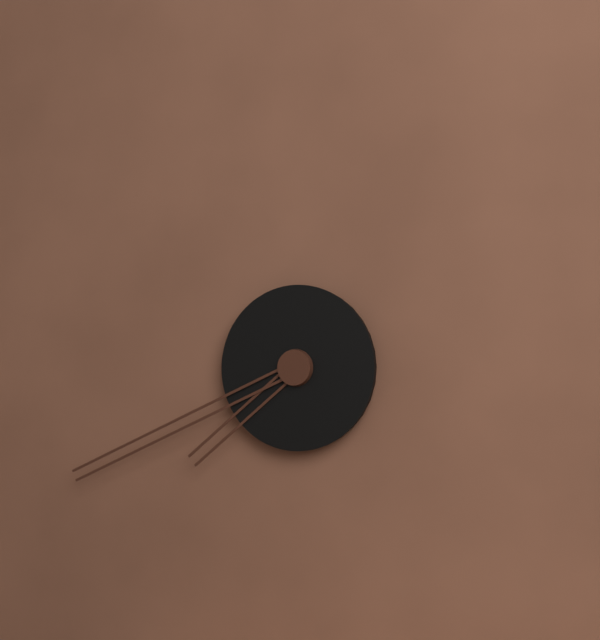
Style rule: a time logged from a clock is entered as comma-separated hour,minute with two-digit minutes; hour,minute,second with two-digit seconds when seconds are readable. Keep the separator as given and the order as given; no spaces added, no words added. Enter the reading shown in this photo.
7,41
